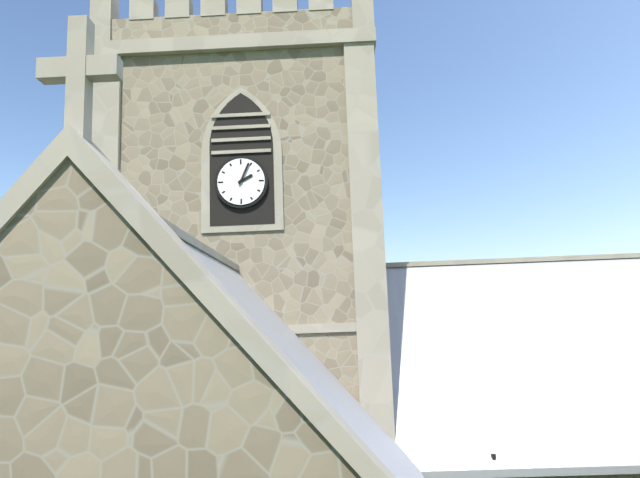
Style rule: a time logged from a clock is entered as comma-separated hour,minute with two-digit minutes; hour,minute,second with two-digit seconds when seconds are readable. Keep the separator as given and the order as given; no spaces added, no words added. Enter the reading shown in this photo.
2,04
